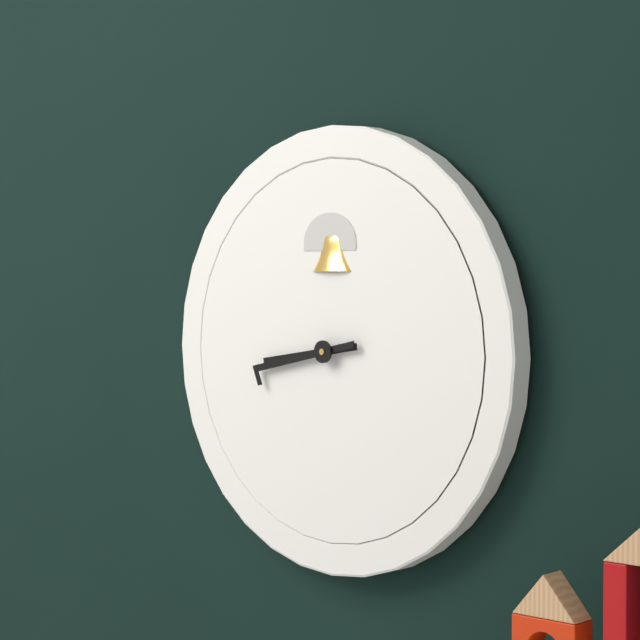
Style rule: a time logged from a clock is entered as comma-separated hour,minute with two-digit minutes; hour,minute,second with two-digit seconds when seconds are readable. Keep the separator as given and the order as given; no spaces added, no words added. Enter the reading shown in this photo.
8,43
